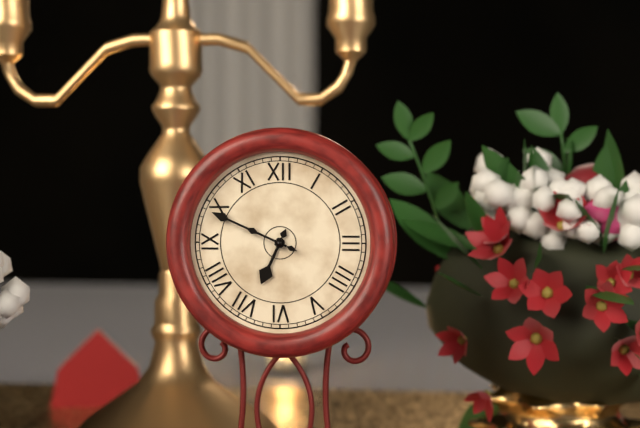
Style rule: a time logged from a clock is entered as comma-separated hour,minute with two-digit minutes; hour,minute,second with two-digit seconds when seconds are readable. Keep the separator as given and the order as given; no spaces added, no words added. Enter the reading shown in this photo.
6,49
